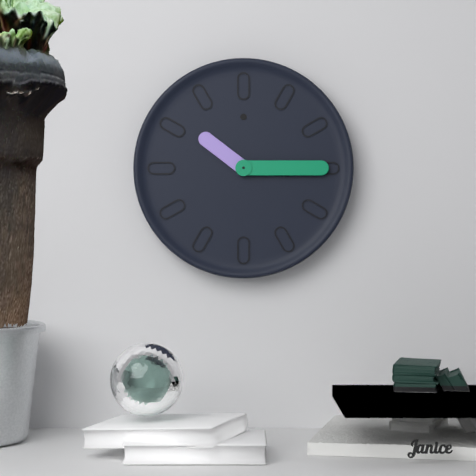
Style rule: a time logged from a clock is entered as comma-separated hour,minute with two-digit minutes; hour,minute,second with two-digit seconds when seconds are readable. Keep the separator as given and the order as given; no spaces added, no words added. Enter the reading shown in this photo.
10,15
